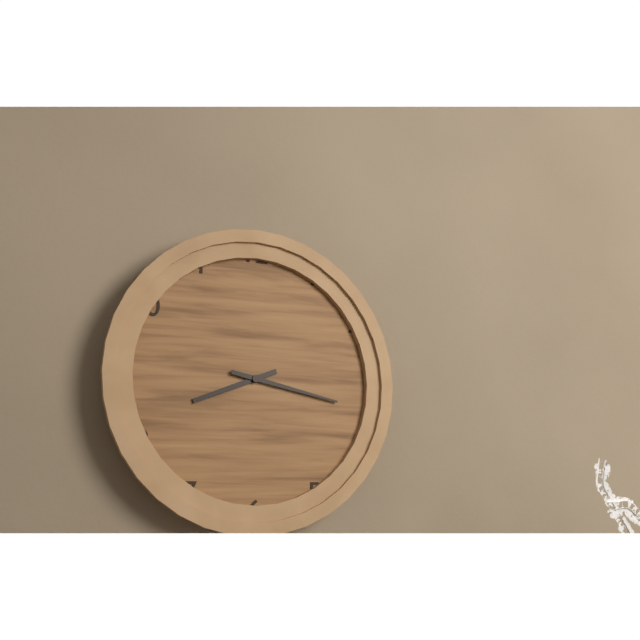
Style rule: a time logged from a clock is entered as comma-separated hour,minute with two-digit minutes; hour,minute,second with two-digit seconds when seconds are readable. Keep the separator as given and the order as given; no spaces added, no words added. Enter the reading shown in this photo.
8,17
